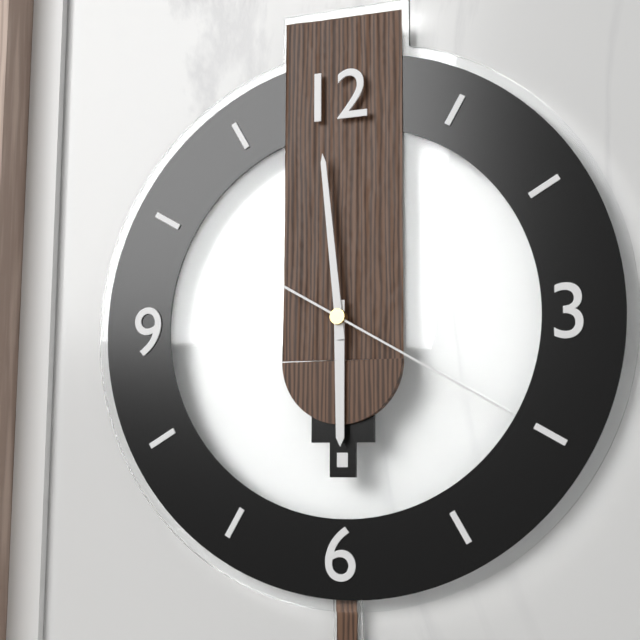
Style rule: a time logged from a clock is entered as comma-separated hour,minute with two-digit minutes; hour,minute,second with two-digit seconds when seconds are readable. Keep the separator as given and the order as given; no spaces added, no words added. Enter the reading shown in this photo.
5,59,20
